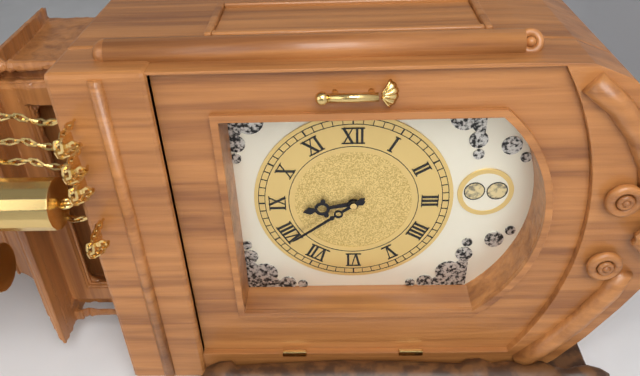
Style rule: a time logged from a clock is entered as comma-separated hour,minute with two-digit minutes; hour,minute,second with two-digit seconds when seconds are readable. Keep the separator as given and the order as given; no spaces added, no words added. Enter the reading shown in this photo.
8,39
